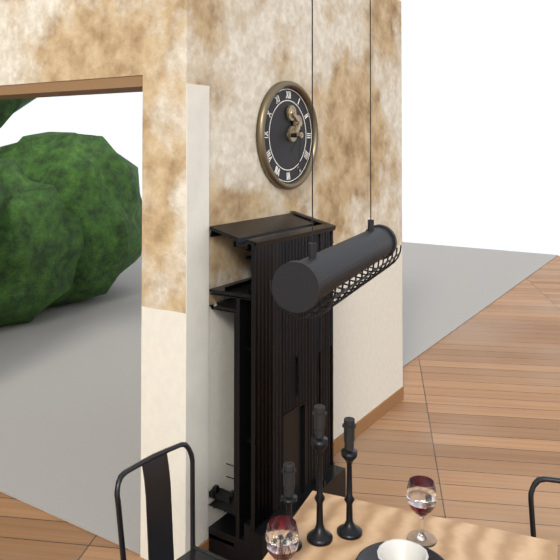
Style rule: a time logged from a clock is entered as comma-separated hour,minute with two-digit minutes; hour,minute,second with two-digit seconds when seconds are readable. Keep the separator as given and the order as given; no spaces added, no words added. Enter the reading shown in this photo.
7,31
